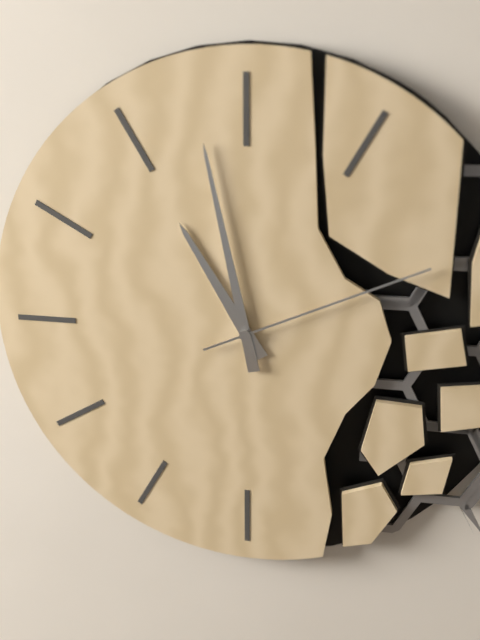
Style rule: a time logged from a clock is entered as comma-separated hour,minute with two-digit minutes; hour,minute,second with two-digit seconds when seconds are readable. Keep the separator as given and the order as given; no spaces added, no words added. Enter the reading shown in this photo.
10,58,11
